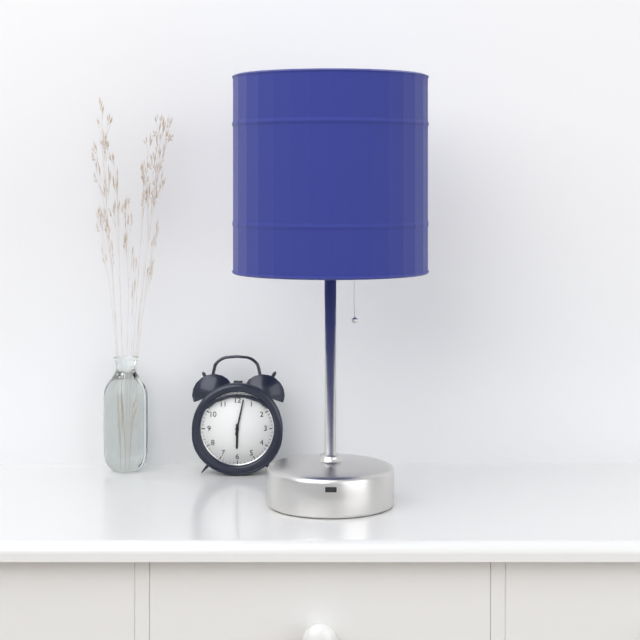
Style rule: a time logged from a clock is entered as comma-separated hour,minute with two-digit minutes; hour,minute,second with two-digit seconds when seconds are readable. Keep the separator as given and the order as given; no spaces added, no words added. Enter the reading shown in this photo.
6,02
